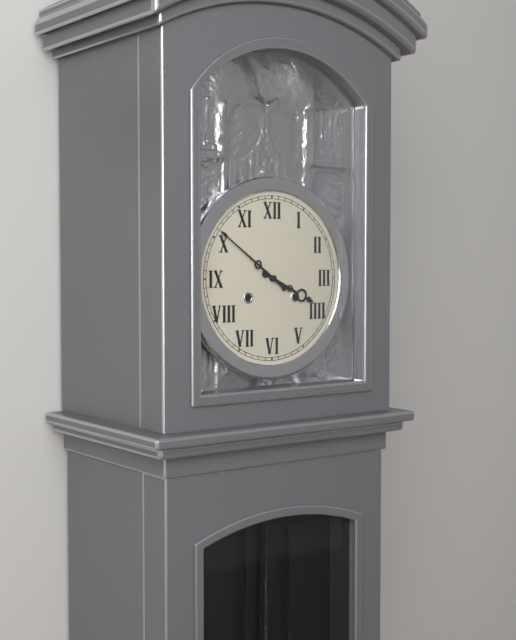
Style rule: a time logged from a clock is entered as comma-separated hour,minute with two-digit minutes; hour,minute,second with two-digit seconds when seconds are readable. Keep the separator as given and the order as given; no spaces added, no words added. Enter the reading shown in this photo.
3,51
